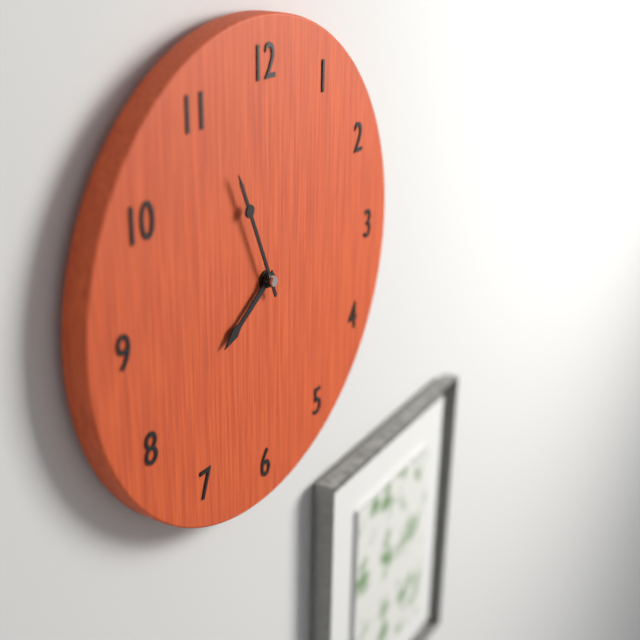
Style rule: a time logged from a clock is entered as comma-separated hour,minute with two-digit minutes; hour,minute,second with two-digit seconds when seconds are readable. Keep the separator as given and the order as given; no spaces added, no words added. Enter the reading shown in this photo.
7,56
